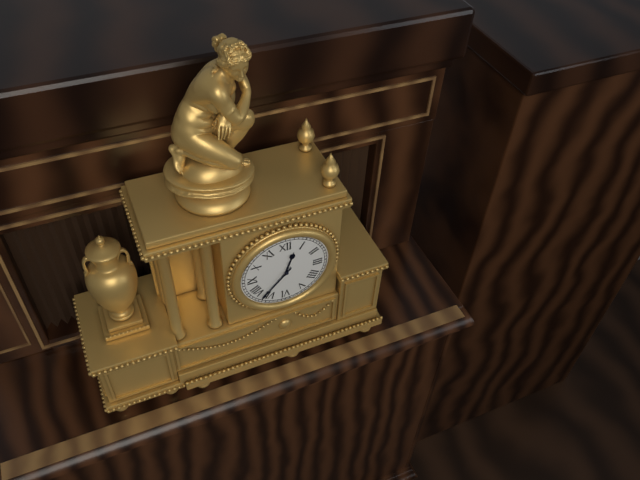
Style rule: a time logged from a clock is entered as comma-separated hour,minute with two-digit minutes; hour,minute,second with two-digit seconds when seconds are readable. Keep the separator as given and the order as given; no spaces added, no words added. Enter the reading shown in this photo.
12,37
